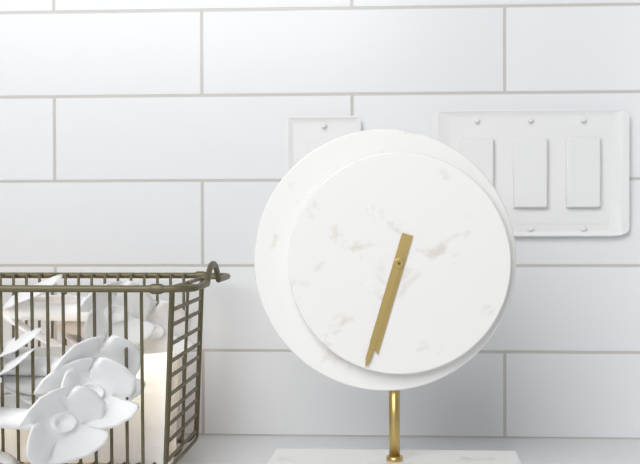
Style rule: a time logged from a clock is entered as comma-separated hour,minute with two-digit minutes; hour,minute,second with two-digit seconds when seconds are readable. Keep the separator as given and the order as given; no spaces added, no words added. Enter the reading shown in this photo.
6,33
